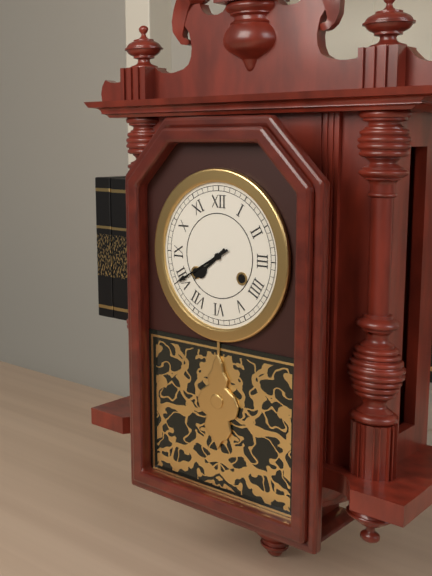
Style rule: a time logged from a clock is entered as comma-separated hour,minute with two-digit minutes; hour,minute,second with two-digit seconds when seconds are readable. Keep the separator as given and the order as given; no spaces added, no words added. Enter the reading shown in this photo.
7,40
